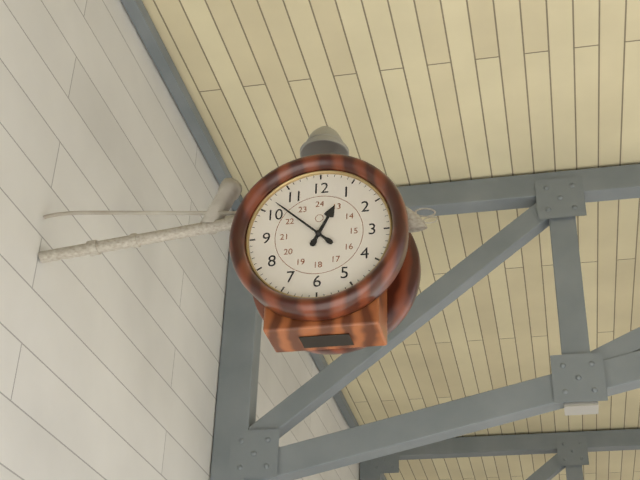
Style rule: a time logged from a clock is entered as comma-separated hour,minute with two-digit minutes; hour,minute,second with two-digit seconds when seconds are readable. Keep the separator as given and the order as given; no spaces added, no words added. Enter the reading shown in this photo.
12,52
